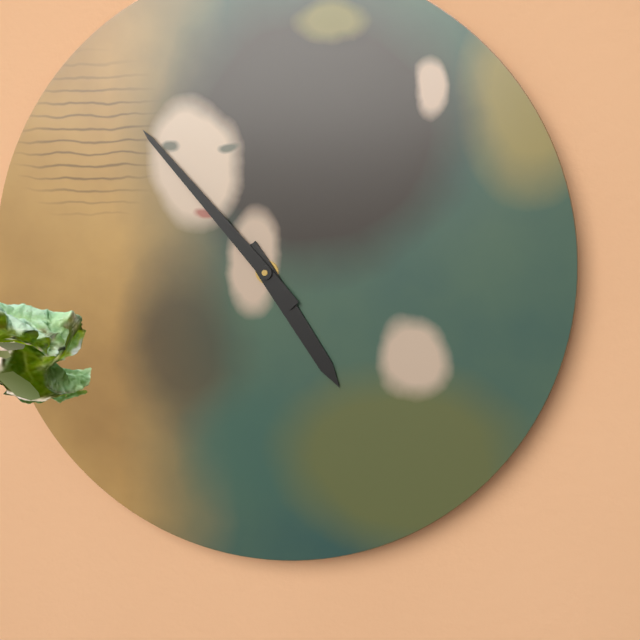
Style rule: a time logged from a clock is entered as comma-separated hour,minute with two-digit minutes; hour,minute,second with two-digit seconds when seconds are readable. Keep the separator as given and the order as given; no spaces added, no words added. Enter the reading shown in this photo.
4,53
